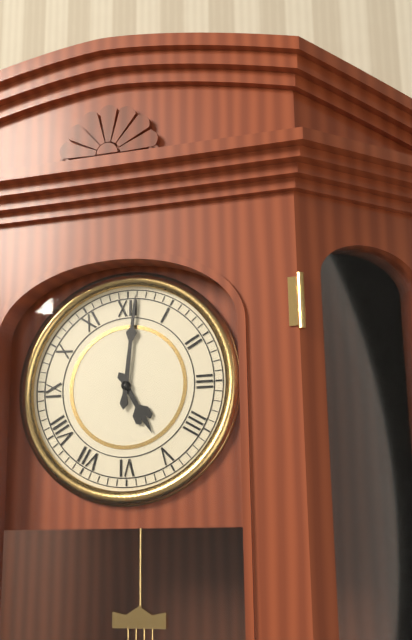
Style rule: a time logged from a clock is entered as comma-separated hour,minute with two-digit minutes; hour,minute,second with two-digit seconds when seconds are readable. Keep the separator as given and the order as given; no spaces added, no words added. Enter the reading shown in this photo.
5,01
